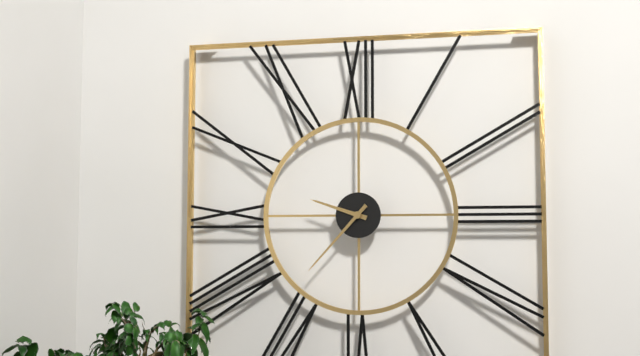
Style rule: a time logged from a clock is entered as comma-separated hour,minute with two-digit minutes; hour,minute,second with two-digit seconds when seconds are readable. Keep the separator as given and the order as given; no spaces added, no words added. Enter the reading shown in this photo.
9,37
